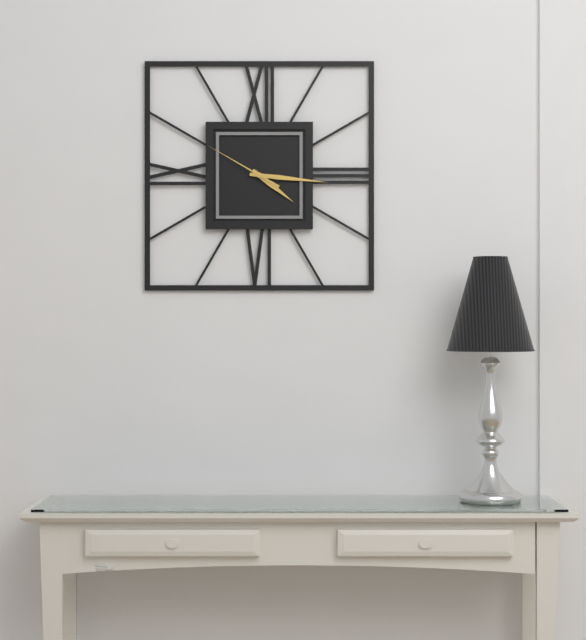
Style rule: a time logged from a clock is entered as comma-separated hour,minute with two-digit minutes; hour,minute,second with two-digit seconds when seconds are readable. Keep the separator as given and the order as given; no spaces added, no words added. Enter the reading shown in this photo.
4,16,50
